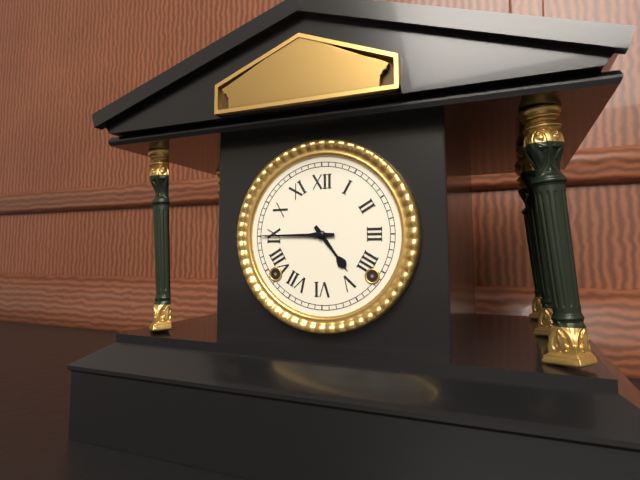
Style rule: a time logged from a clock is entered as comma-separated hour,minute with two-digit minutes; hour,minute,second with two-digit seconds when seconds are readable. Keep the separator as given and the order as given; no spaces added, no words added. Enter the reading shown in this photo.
4,45
